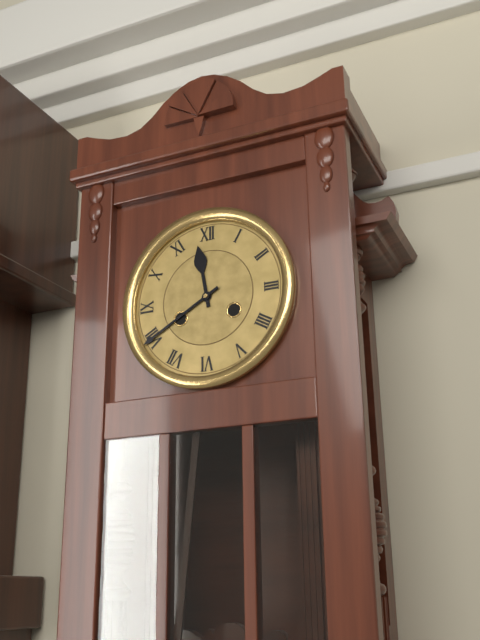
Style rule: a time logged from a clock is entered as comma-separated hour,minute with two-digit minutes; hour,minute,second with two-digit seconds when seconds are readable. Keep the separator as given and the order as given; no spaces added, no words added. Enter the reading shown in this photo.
11,40
